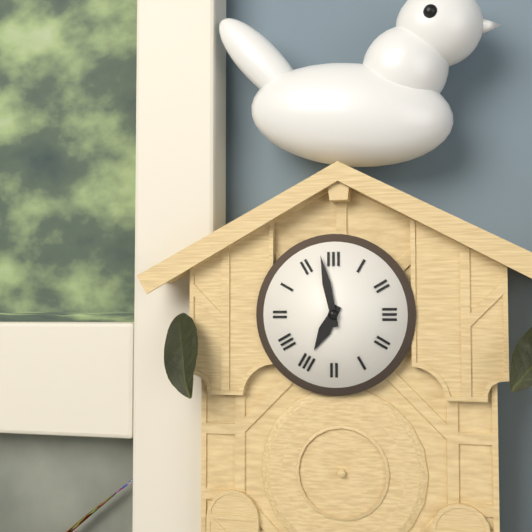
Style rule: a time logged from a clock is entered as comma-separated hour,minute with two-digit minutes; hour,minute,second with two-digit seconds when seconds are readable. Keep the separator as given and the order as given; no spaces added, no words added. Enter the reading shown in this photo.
6,58
